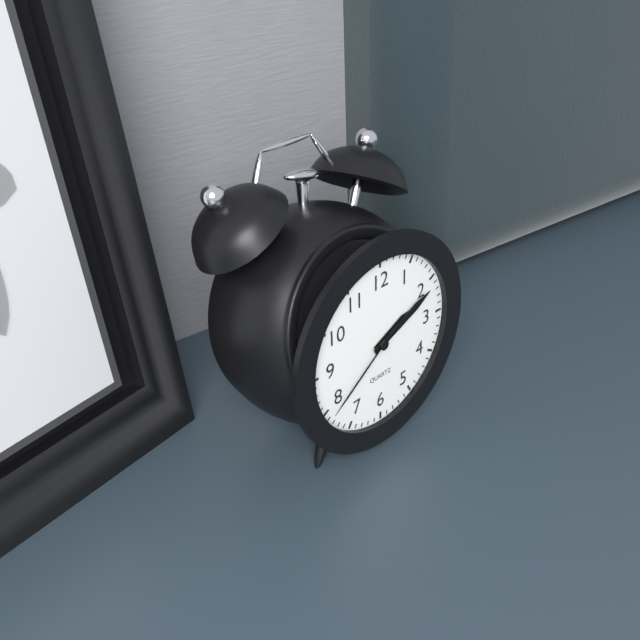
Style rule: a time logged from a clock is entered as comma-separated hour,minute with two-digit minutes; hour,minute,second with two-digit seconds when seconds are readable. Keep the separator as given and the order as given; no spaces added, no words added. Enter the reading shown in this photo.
2,11,39
